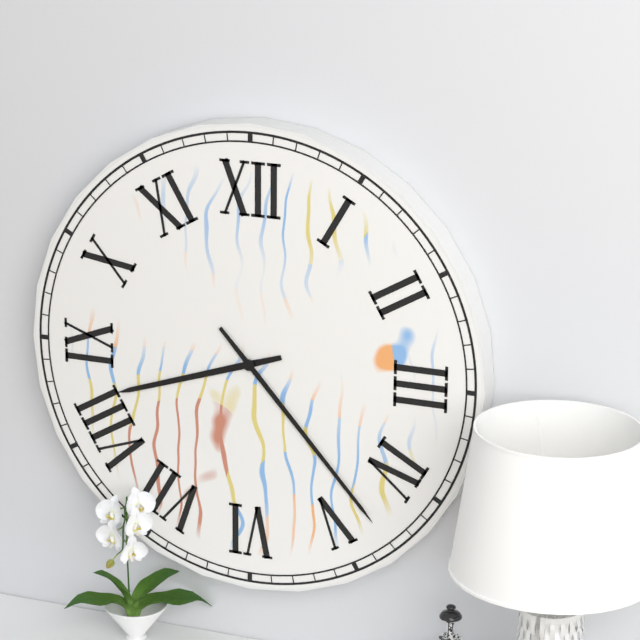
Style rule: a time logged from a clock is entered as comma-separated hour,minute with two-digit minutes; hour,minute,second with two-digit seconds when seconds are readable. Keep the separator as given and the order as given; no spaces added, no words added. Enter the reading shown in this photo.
8,23
